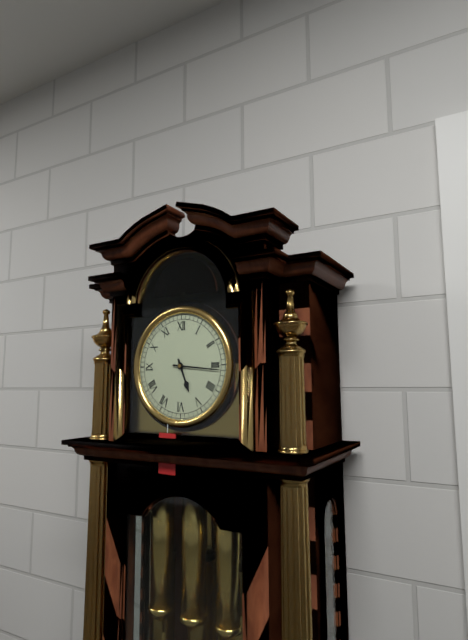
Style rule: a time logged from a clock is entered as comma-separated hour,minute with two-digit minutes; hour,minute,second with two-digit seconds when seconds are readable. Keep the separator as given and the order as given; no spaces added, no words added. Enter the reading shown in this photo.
5,16
